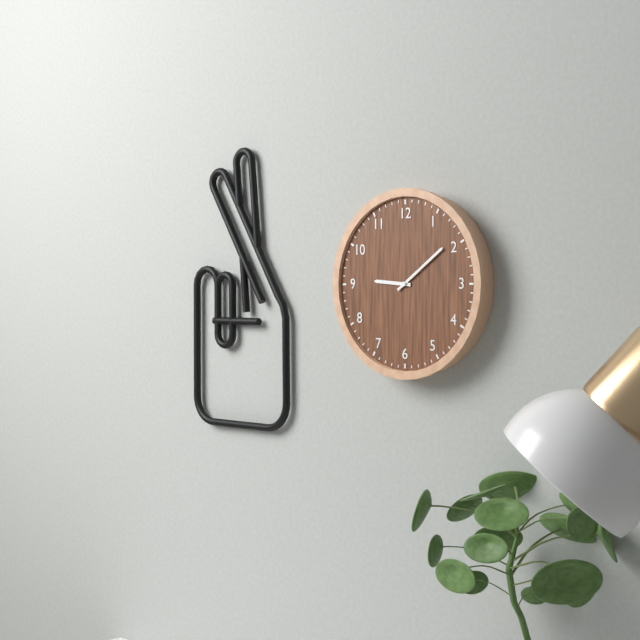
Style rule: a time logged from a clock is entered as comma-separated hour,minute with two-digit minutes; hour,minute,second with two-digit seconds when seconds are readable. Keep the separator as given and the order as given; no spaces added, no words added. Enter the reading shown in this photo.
9,09
